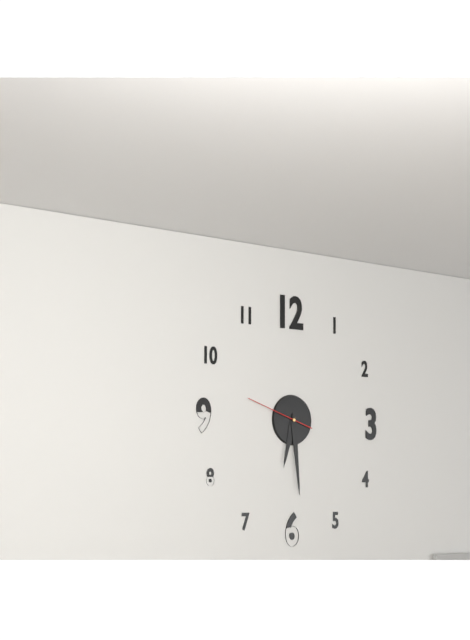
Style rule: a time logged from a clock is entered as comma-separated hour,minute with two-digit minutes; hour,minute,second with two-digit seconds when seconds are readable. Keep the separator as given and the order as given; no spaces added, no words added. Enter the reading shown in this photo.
6,29,48
